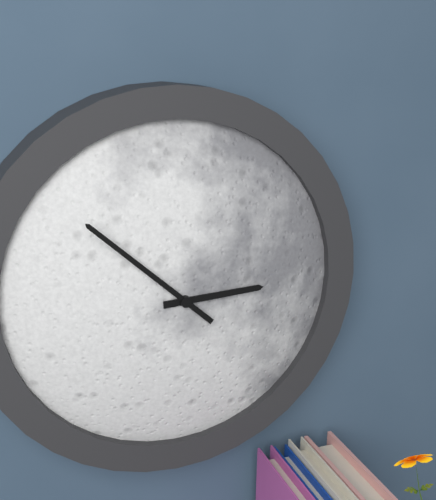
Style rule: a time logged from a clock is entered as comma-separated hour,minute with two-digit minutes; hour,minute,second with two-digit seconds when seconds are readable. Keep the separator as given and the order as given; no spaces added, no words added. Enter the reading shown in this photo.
2,52
